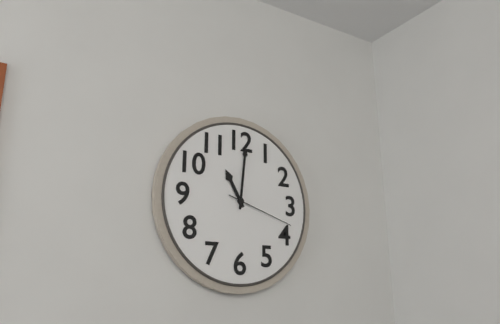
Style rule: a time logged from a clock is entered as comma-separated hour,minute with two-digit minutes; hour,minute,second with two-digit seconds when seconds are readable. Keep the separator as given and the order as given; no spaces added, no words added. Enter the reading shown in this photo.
11,01,18
